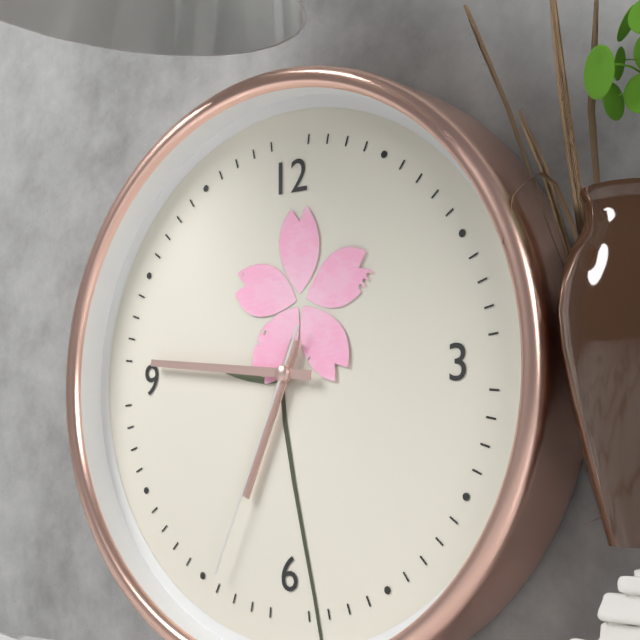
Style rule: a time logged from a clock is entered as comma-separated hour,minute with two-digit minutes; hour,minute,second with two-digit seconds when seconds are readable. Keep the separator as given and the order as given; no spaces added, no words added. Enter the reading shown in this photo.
6,46,34
